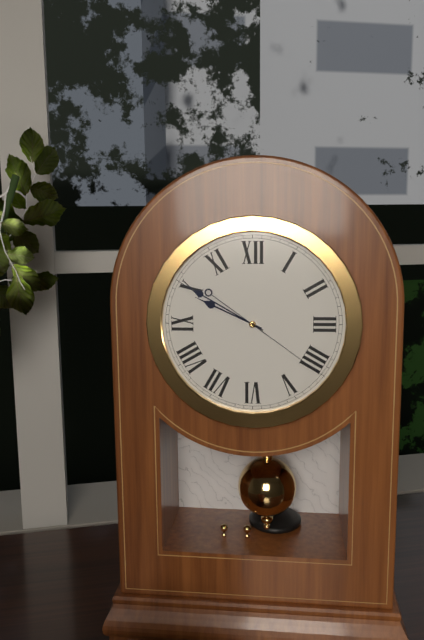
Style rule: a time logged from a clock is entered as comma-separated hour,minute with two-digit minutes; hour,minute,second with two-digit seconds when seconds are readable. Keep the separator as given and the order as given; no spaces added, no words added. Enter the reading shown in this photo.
9,50,21
